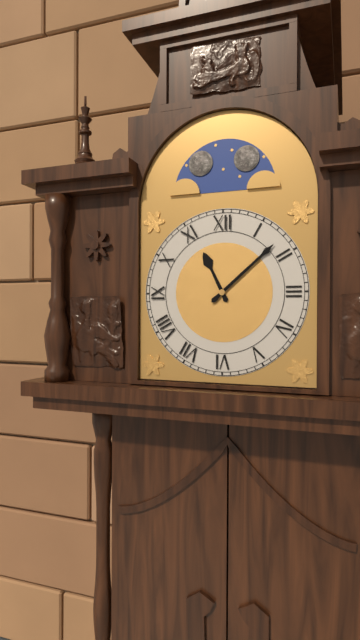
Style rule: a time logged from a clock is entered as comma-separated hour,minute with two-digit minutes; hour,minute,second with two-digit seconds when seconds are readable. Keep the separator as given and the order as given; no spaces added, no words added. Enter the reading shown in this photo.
11,08
